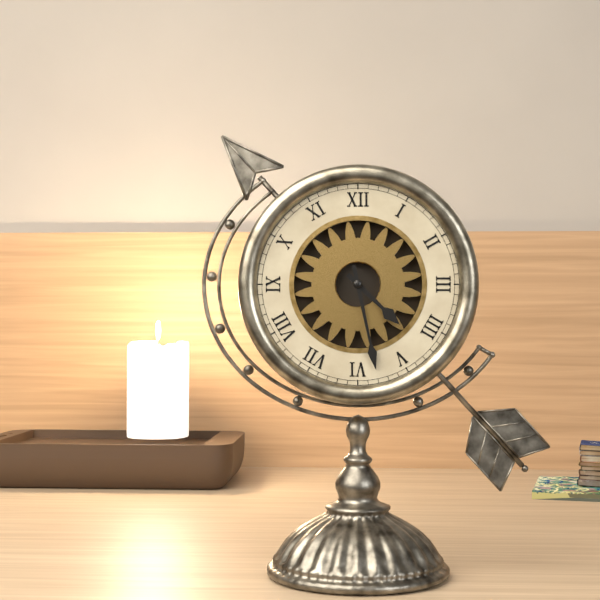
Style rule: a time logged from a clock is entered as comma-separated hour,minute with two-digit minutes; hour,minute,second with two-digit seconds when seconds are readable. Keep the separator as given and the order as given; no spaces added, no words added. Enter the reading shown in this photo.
4,28
